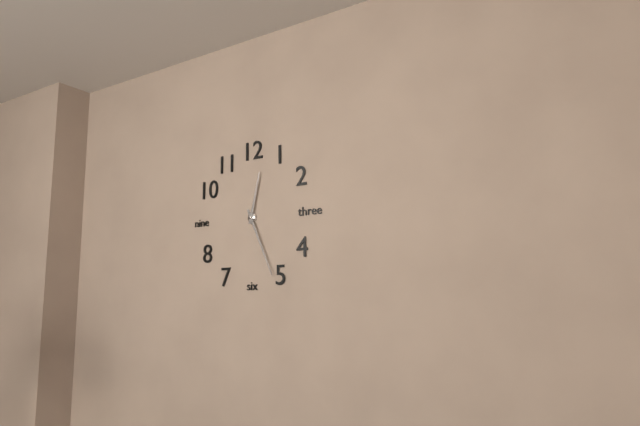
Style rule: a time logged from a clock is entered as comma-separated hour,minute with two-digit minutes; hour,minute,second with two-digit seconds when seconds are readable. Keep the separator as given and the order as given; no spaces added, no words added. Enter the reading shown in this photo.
12,26
